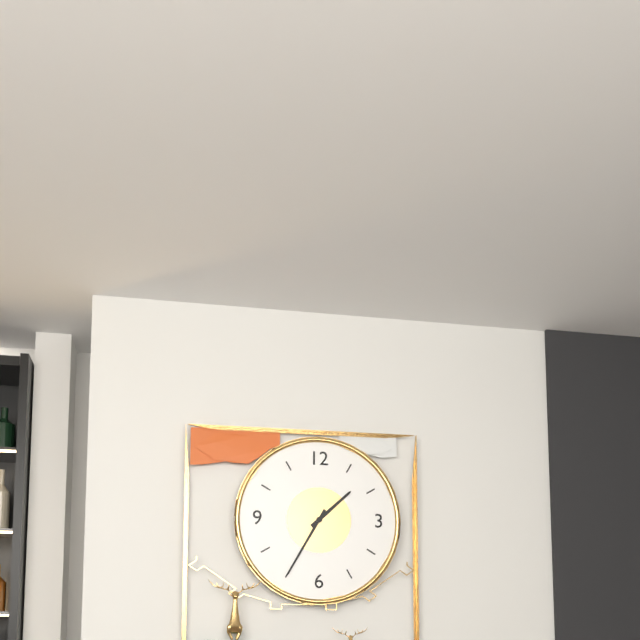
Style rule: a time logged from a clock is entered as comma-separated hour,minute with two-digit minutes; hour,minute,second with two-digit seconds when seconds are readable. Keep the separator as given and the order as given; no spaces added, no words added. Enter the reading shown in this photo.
1,35
